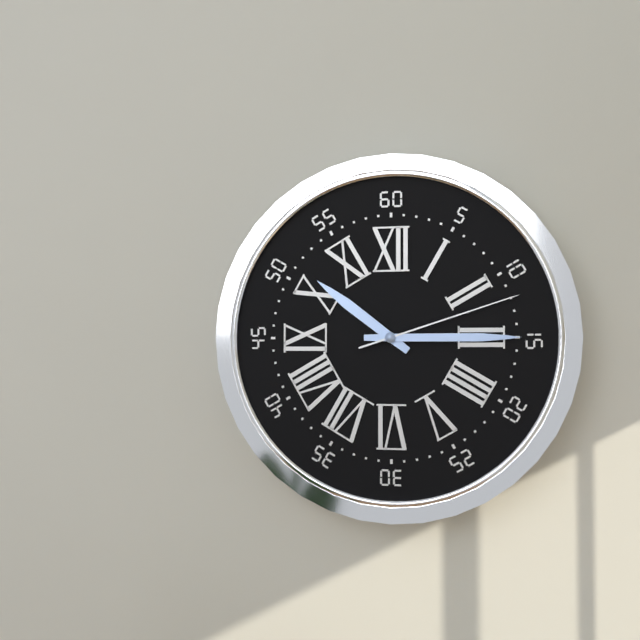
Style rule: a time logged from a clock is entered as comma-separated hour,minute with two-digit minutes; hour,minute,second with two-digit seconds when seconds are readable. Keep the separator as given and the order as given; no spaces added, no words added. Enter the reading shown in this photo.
10,15,12
